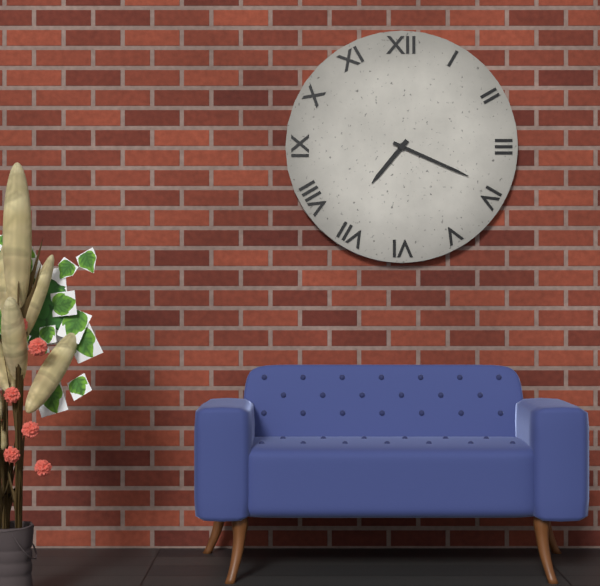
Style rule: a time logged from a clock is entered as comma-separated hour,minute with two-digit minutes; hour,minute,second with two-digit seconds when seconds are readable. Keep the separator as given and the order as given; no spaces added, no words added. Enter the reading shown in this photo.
7,19
